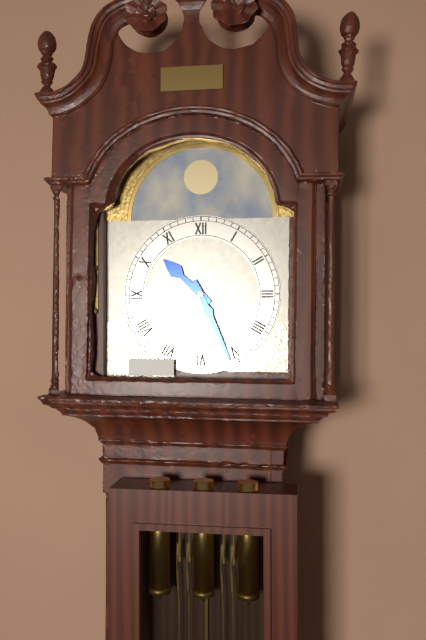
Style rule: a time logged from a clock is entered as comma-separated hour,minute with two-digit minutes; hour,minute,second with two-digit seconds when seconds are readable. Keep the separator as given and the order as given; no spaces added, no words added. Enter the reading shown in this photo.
10,26
